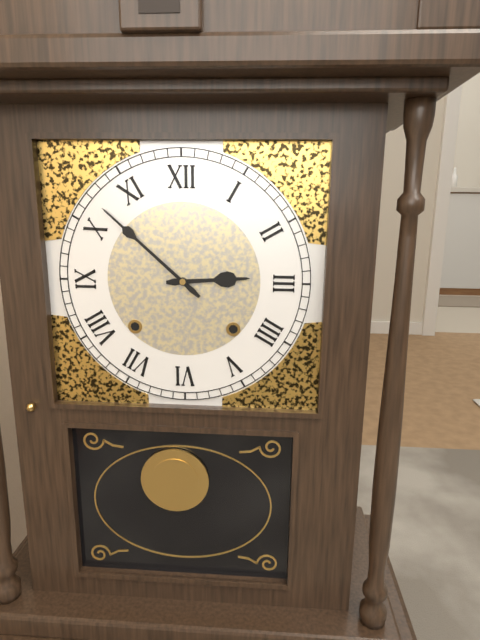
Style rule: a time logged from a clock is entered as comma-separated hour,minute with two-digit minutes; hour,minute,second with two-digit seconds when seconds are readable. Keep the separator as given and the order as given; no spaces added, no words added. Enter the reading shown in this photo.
2,52
